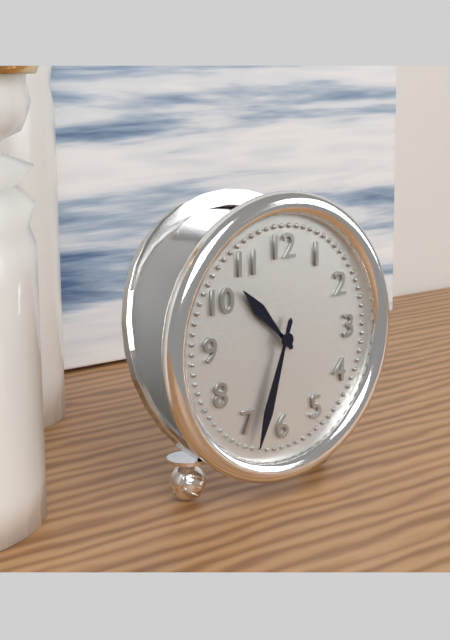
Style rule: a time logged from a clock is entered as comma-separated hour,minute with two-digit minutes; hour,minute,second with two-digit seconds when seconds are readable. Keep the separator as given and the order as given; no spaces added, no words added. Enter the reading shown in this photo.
10,33
